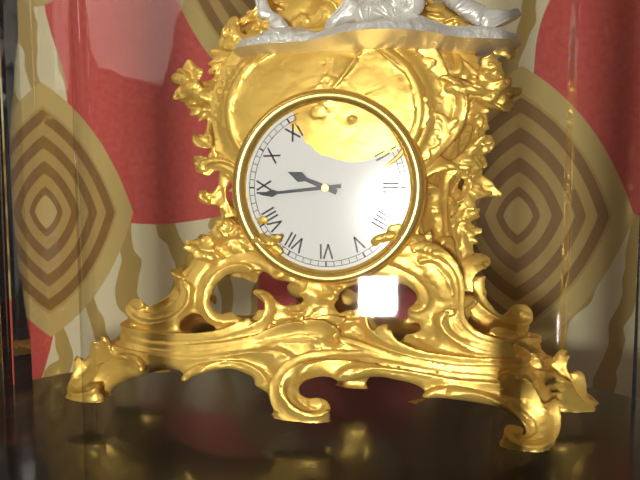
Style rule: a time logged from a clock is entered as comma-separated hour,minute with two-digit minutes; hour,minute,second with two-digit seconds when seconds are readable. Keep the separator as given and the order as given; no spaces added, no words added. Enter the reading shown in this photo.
9,44
